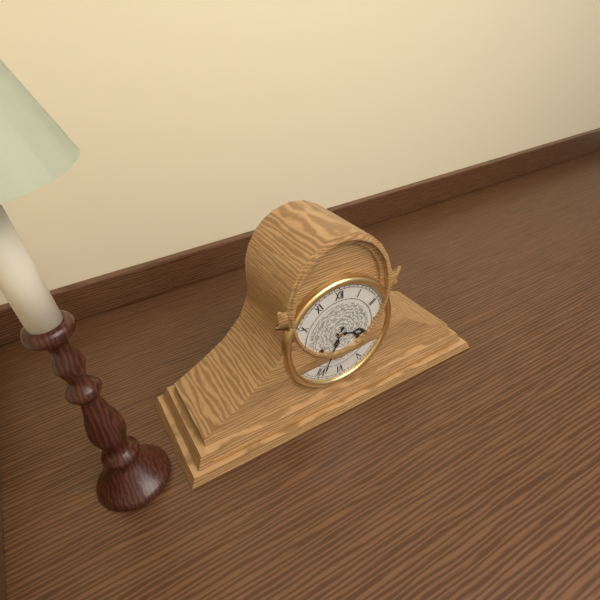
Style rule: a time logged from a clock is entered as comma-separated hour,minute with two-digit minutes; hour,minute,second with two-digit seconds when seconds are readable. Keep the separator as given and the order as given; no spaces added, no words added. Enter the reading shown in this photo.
3,34
